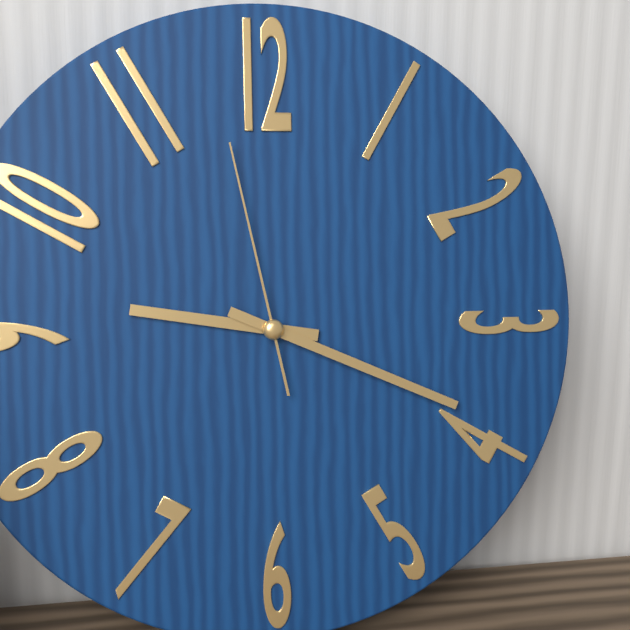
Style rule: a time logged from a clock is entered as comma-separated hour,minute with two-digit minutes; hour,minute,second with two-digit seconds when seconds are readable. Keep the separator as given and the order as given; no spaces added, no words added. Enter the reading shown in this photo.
9,19,58
